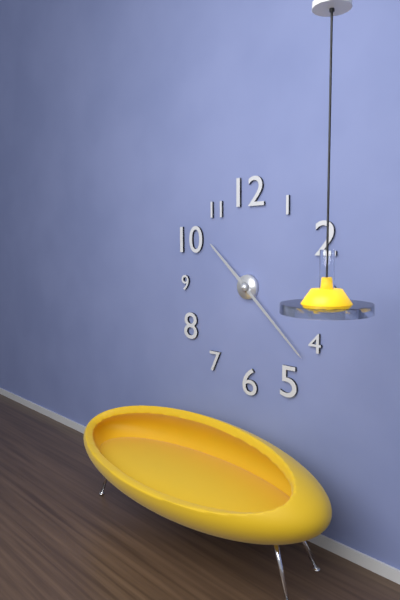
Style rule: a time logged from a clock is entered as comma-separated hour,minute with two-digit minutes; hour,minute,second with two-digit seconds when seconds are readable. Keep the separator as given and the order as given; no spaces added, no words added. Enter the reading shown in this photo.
10,22
